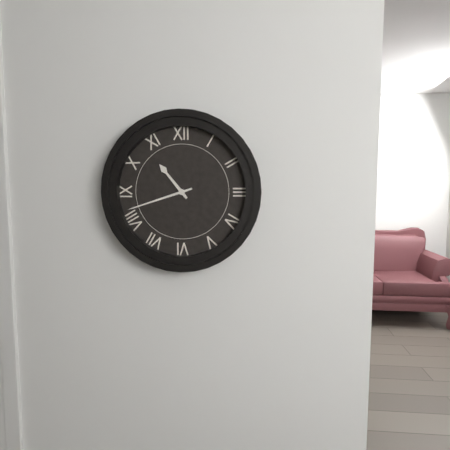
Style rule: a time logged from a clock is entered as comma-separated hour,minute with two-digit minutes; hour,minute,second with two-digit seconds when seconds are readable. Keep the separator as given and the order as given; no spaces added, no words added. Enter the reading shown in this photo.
10,42
